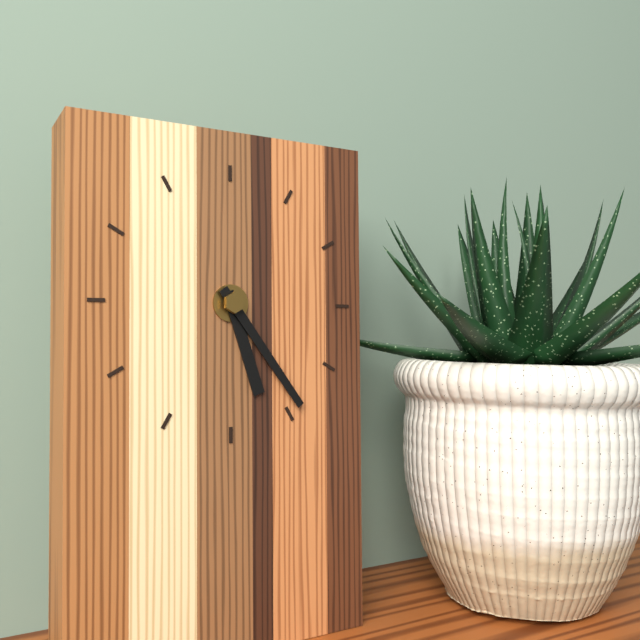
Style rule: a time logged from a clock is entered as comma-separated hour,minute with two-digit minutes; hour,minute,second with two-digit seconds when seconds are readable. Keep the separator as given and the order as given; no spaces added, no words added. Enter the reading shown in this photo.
5,24
